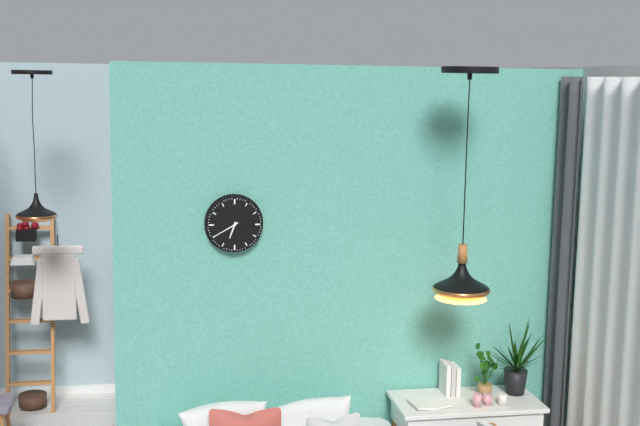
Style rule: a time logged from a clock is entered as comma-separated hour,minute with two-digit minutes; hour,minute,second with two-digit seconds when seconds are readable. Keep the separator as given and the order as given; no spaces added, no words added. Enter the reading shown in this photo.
6,40
